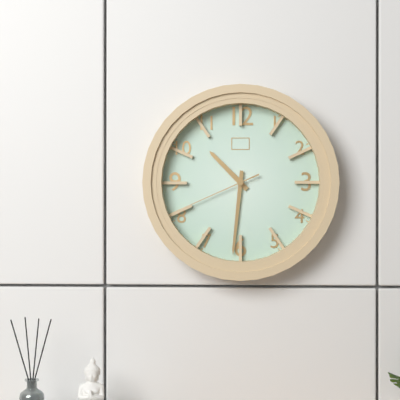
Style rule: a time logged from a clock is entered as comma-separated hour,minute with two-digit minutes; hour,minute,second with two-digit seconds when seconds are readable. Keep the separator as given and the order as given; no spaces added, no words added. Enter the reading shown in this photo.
10,31,41
